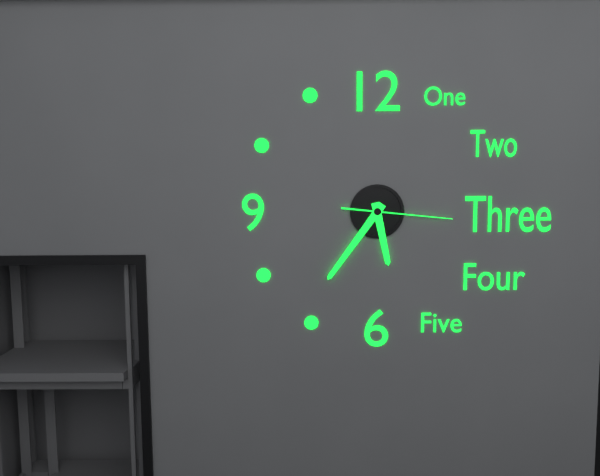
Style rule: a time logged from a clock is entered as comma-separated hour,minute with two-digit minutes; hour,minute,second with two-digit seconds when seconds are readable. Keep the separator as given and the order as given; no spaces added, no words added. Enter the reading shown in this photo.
5,36,16
